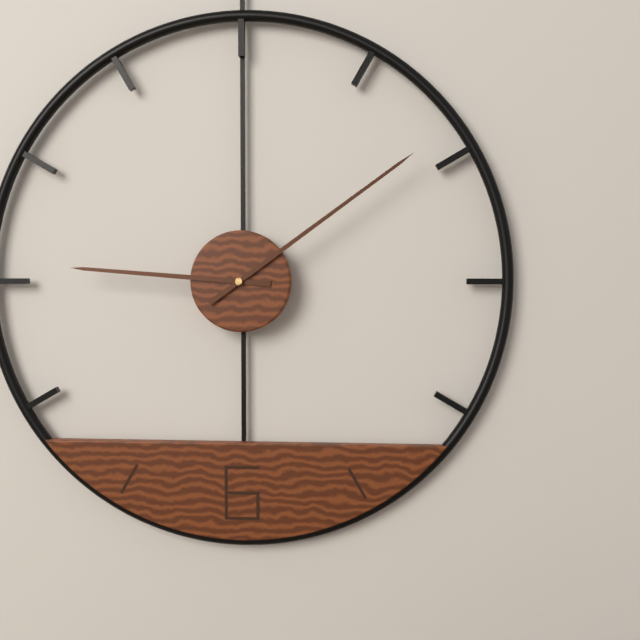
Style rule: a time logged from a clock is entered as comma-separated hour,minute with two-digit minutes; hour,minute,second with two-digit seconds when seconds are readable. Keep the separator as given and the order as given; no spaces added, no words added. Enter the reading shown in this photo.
9,09
